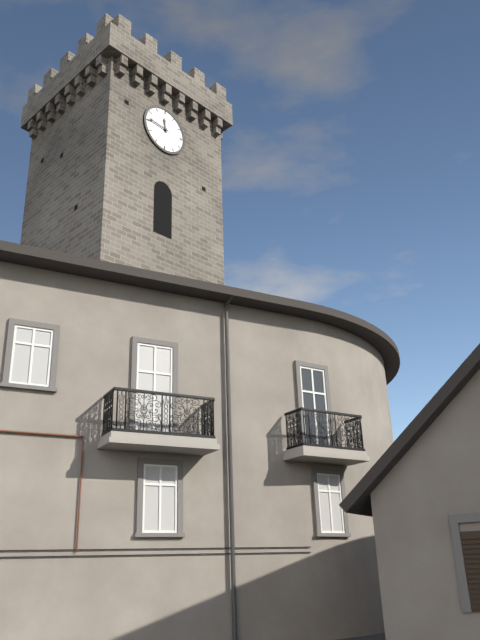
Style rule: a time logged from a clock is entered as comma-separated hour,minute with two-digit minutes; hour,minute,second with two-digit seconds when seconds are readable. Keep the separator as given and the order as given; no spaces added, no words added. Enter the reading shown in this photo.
11,46
